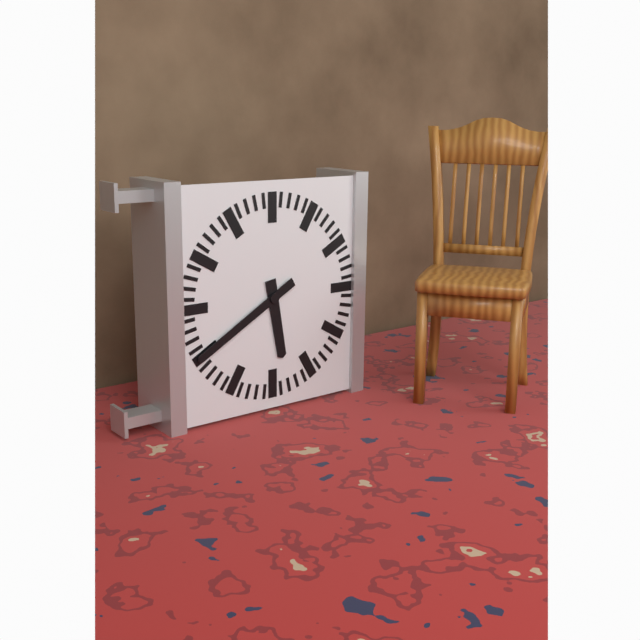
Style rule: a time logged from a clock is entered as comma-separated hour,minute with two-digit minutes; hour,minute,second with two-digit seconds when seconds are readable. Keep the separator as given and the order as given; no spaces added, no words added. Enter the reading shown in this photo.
5,40
